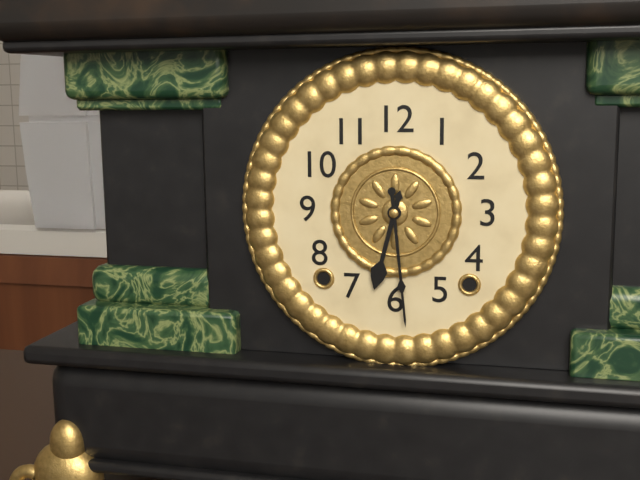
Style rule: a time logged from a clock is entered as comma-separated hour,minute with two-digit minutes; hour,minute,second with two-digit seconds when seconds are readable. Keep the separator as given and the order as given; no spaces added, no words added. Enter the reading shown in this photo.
6,29
